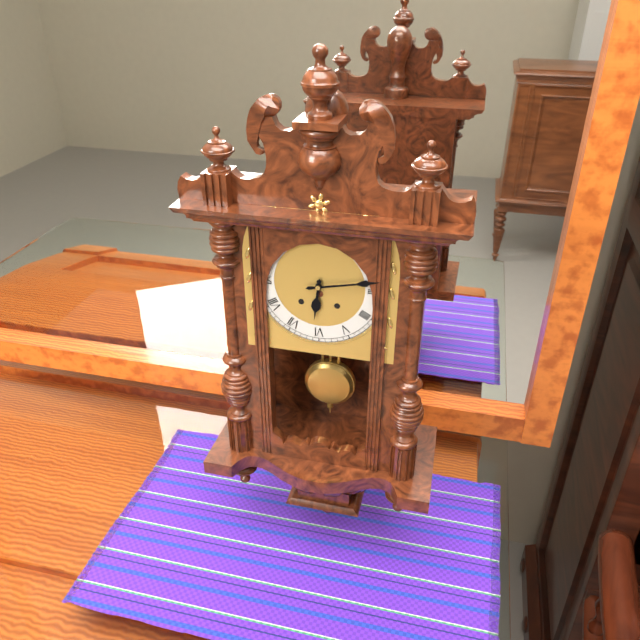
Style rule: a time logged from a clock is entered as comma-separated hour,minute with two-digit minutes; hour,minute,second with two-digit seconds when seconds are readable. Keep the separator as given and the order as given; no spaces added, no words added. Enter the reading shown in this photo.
6,13
